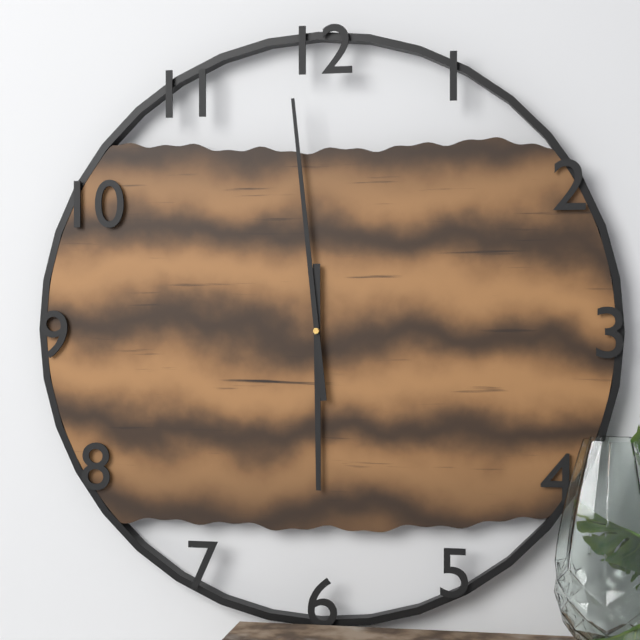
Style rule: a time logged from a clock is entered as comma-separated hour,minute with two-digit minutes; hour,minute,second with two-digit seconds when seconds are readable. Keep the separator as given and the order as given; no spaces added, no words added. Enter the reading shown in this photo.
5,59
